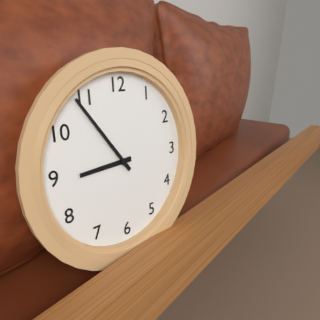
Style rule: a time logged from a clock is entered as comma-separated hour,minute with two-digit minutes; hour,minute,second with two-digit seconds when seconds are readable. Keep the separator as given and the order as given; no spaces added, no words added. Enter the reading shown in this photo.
8,54
